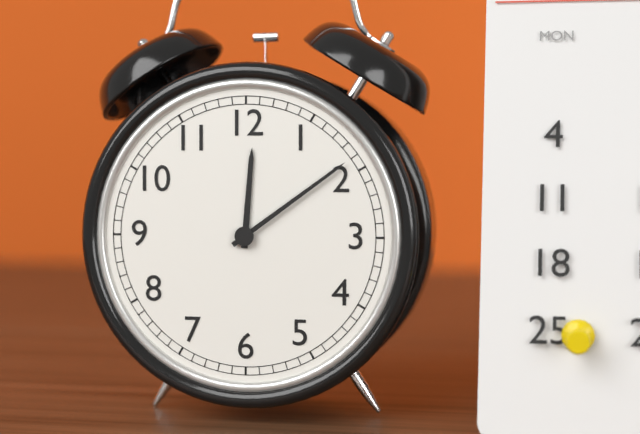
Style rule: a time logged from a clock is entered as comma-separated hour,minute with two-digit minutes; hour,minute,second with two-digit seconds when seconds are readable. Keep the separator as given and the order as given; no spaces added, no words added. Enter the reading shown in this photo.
12,09
